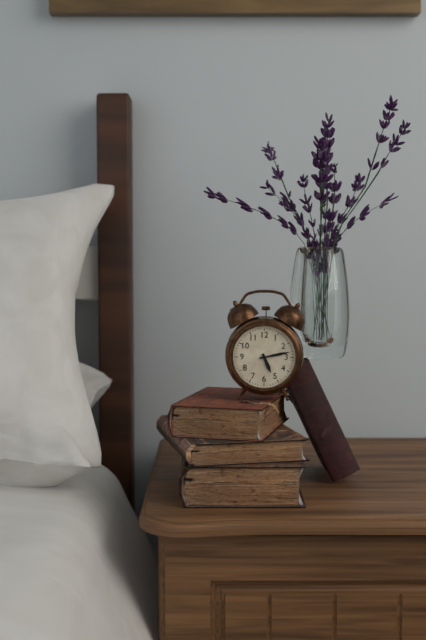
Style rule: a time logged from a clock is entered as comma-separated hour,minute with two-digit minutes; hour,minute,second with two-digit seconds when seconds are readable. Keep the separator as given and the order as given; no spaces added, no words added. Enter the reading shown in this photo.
5,13
